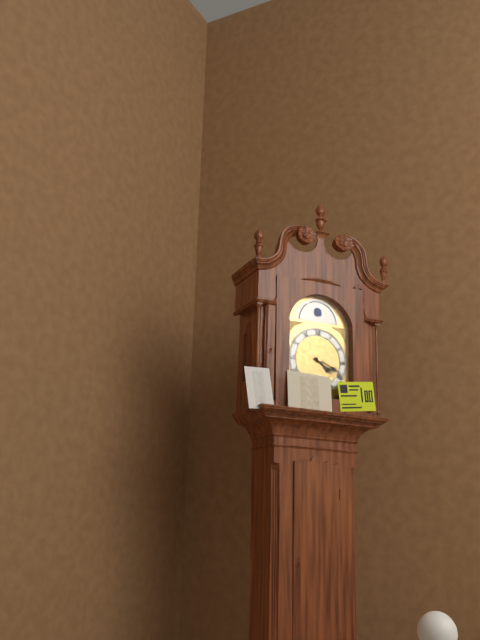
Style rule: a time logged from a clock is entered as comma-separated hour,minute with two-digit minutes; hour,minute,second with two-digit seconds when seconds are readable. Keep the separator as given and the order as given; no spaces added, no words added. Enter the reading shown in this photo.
4,19
